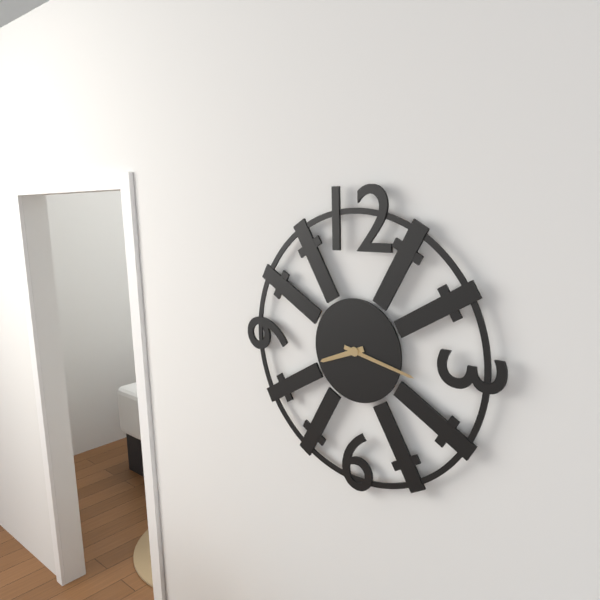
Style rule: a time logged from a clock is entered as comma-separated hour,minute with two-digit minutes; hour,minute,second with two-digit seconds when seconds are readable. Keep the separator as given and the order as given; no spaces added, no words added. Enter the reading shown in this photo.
8,17
